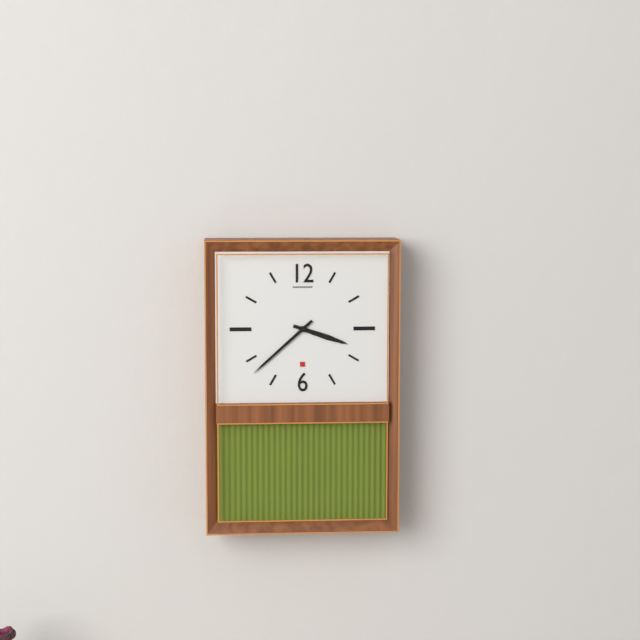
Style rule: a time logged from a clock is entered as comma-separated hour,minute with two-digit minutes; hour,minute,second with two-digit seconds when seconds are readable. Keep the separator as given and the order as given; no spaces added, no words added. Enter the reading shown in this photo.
3,38
